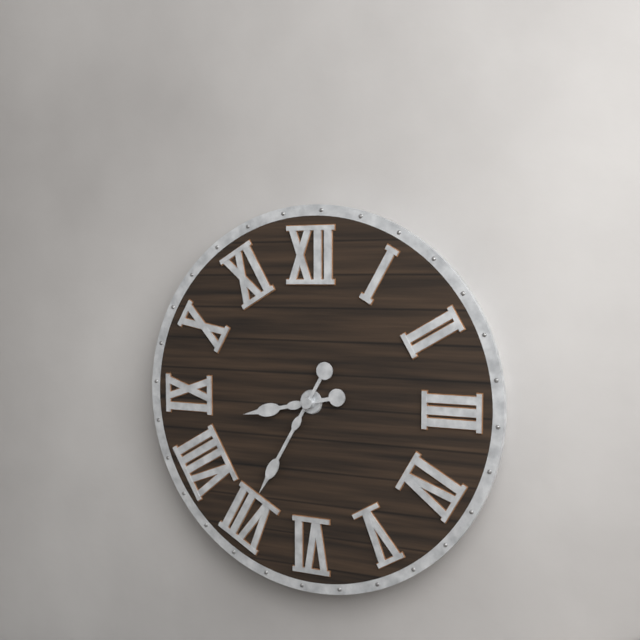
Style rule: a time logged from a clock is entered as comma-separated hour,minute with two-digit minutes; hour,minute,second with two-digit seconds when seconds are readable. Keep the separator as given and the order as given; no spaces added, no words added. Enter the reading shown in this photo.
8,35
